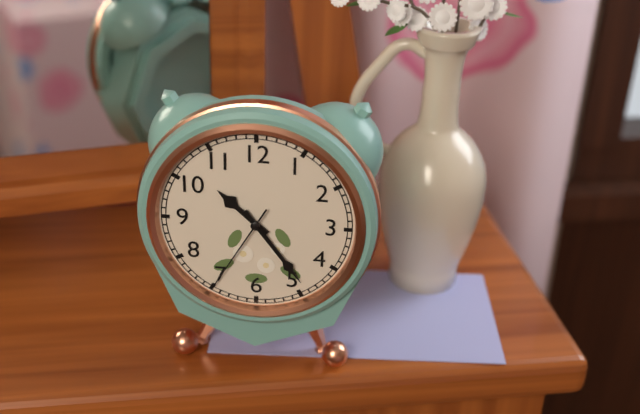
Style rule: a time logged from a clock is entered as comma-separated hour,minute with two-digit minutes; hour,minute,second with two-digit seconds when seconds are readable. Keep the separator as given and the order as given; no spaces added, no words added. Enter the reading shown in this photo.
10,24,35
